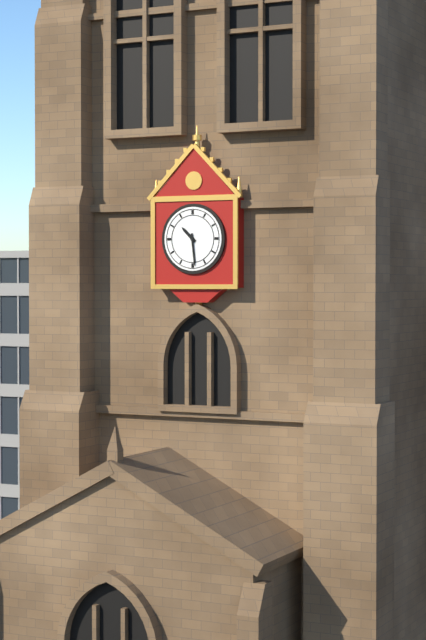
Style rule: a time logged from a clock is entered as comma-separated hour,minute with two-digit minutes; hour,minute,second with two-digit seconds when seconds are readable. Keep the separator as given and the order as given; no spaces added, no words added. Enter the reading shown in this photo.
10,29
